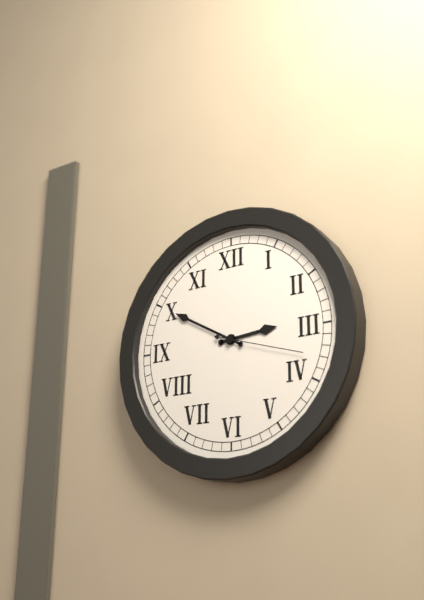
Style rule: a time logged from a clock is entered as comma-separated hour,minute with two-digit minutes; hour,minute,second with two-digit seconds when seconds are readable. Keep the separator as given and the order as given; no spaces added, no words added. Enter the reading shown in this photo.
2,50,18
